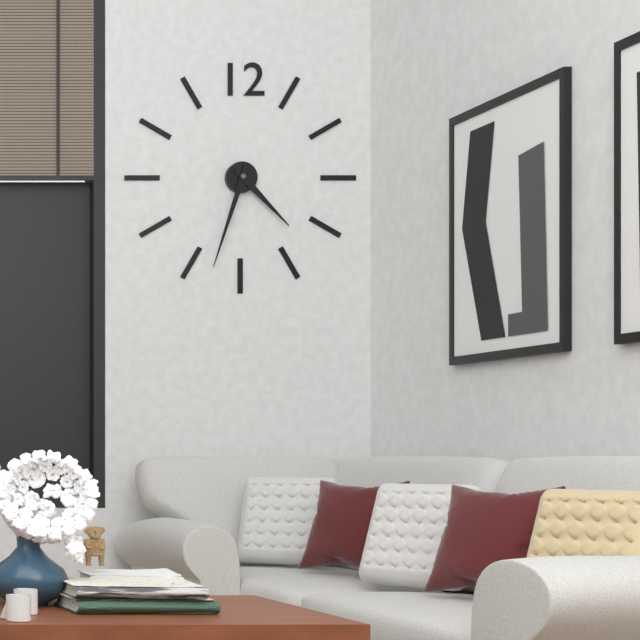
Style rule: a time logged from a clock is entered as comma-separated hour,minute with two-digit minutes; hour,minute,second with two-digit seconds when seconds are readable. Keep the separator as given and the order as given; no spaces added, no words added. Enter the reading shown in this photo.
4,33
